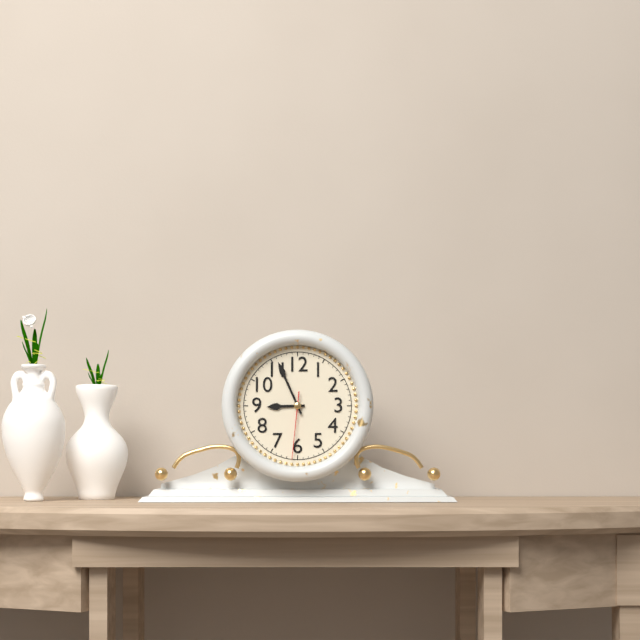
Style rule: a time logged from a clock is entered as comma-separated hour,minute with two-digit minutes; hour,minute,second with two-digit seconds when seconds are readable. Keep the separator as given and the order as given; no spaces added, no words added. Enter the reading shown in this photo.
8,56,31
